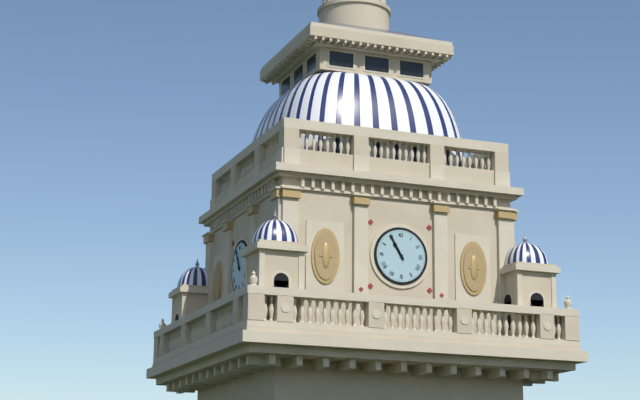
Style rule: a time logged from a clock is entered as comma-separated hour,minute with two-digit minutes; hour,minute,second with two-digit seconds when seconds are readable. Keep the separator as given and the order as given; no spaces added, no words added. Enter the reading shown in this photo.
10,55
